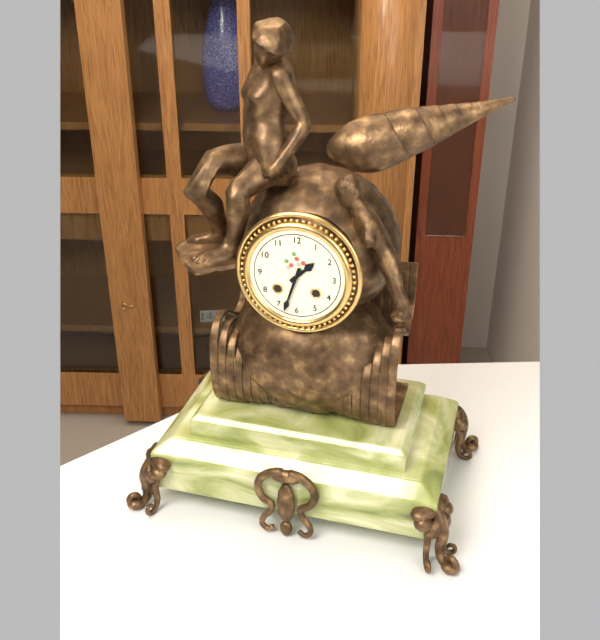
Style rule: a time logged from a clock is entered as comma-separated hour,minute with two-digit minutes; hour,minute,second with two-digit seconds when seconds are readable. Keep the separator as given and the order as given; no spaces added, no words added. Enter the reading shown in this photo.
1,33
